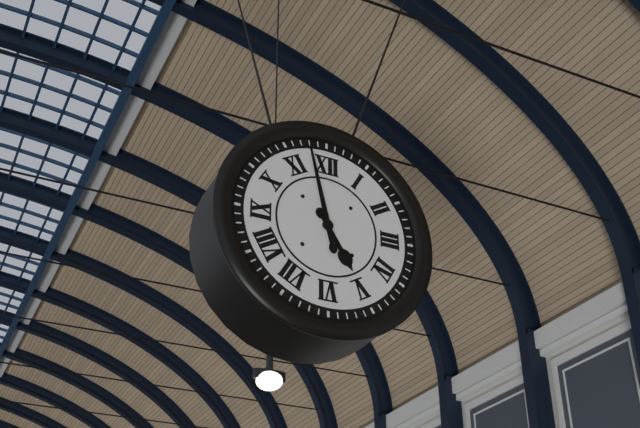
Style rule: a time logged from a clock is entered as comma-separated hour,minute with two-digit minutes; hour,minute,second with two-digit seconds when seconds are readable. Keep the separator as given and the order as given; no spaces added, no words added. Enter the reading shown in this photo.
4,58
